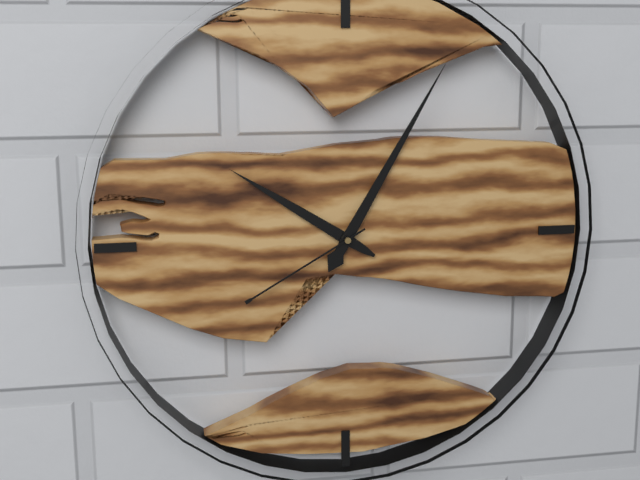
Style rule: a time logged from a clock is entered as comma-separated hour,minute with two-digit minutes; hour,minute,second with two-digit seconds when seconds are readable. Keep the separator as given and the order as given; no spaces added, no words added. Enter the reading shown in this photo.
10,05,40
